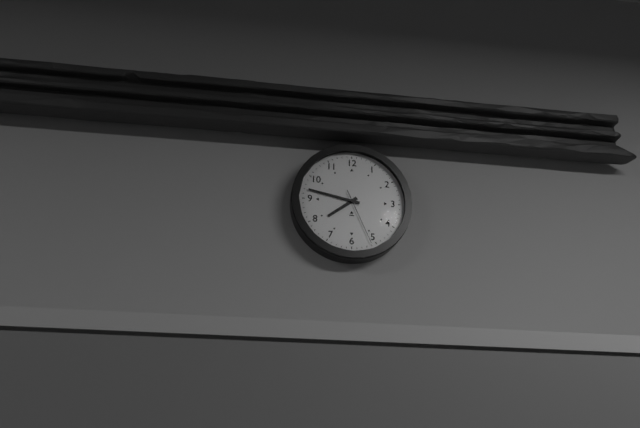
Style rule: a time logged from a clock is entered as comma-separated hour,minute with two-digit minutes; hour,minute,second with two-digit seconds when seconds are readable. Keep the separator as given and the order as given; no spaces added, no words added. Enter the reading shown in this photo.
7,47,26
